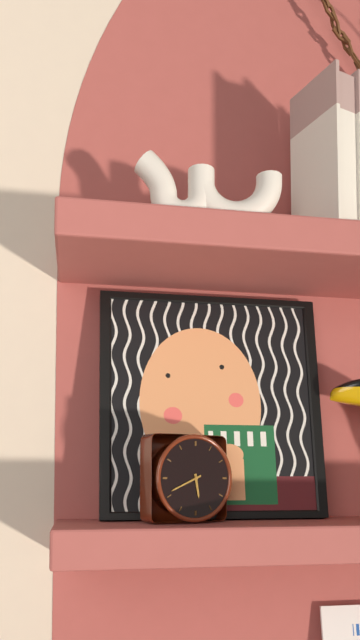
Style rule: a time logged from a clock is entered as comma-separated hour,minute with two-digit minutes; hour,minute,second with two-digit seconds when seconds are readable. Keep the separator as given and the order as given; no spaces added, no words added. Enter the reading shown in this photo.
5,41
